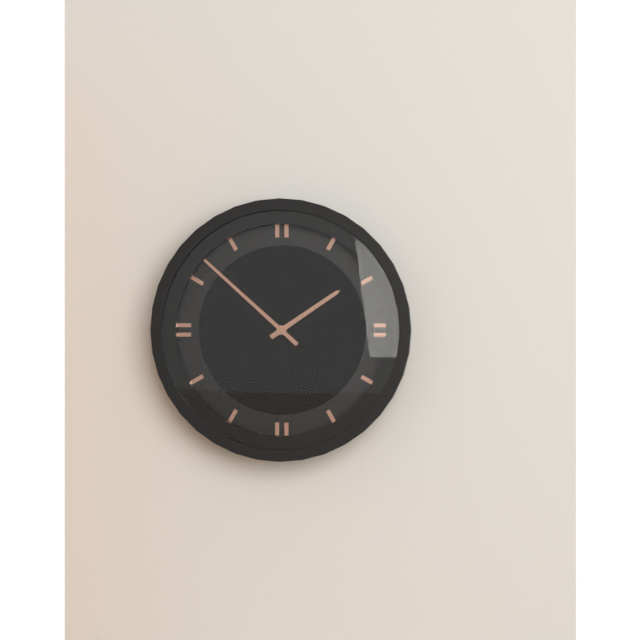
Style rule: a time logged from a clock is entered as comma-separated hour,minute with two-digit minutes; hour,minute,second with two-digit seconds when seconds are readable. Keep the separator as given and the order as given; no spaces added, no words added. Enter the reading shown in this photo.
1,52
